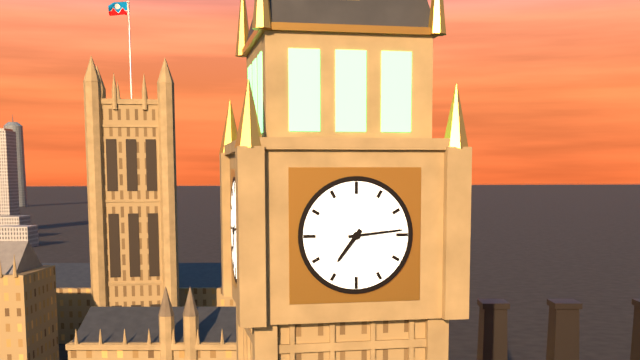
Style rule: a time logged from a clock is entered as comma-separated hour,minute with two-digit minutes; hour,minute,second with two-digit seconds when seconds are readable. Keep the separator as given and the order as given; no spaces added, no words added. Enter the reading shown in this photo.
7,14
